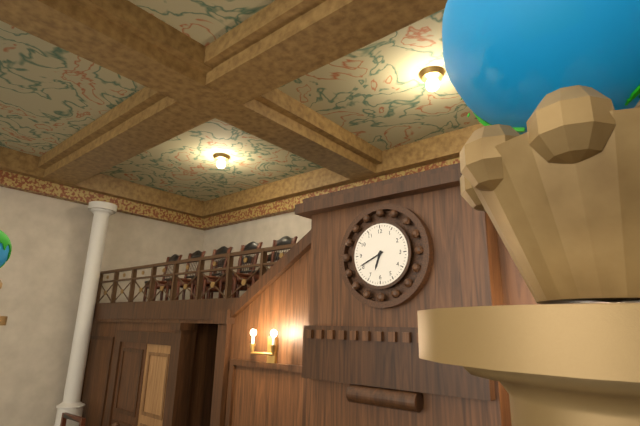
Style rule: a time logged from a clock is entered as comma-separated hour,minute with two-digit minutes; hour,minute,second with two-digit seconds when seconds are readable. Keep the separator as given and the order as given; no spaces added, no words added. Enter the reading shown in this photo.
6,41
